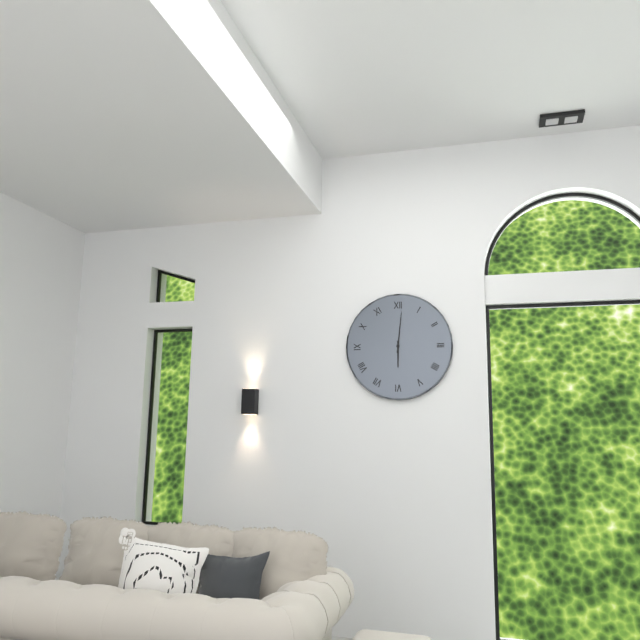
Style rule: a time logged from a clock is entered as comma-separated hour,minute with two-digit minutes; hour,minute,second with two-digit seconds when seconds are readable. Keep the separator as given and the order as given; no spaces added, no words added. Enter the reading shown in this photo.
6,01
